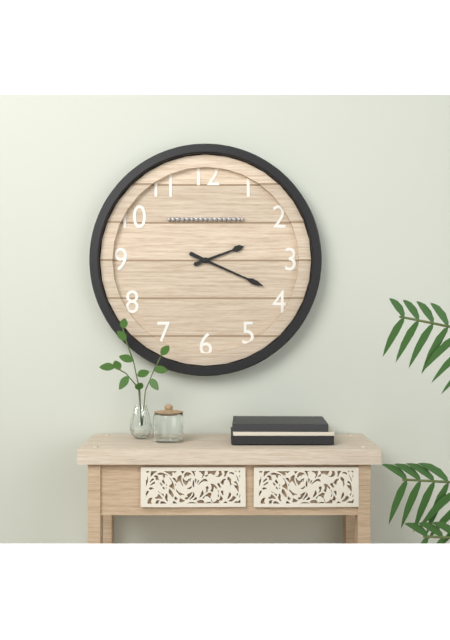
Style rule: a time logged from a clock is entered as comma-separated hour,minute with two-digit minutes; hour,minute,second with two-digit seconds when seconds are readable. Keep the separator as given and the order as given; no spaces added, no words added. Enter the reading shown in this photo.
2,19
